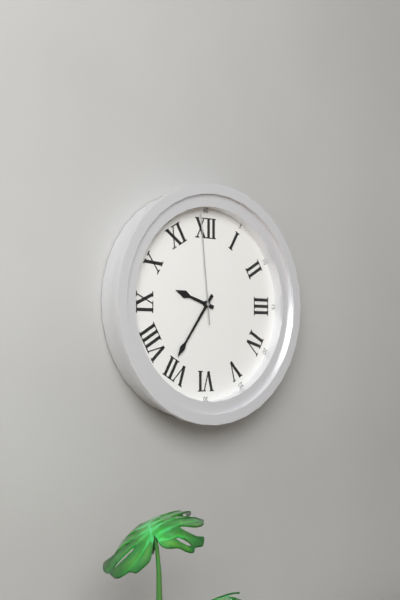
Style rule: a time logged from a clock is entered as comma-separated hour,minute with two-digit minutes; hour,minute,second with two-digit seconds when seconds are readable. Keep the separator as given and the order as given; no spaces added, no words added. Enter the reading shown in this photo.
9,36,59
